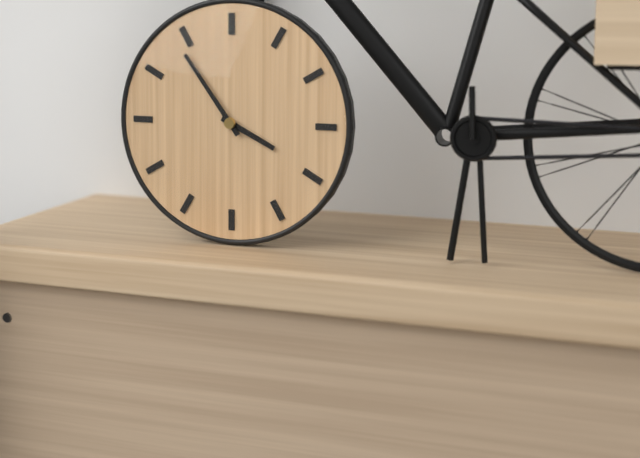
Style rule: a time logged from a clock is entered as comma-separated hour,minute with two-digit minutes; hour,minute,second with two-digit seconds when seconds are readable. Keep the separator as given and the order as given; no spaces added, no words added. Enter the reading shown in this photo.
3,54
